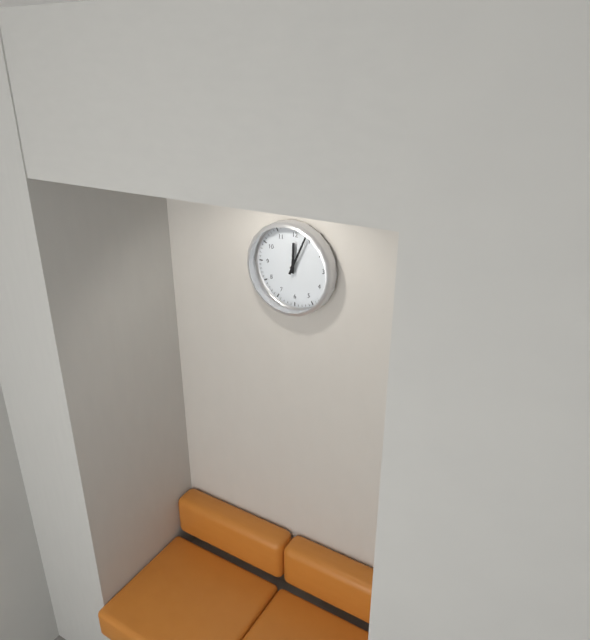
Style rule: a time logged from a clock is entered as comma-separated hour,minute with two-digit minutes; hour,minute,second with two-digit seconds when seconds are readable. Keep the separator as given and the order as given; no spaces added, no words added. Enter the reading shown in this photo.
12,04
